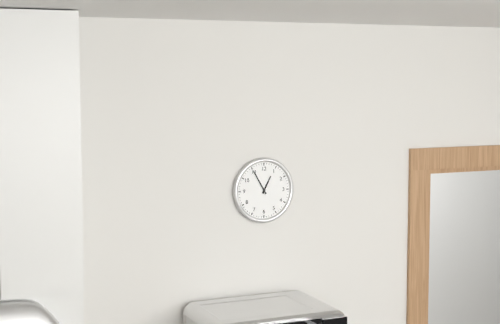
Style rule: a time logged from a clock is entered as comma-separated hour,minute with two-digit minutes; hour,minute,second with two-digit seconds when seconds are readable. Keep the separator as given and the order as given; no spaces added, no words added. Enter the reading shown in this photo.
12,55
